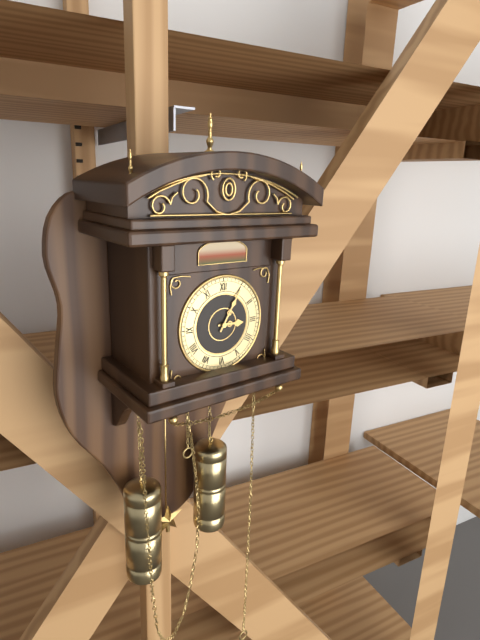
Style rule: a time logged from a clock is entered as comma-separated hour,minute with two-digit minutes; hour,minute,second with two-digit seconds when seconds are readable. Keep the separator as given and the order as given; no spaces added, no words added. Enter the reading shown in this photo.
3,05
